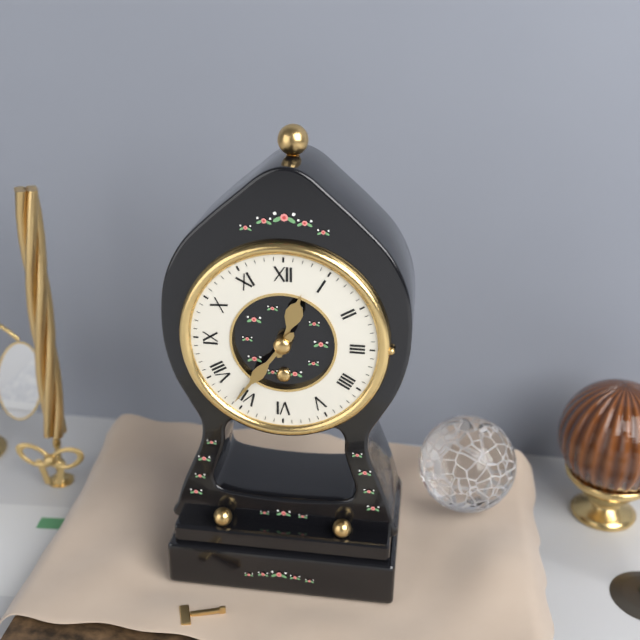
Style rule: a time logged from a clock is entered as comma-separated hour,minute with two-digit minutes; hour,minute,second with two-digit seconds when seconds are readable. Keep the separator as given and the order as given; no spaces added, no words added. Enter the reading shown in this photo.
12,36
